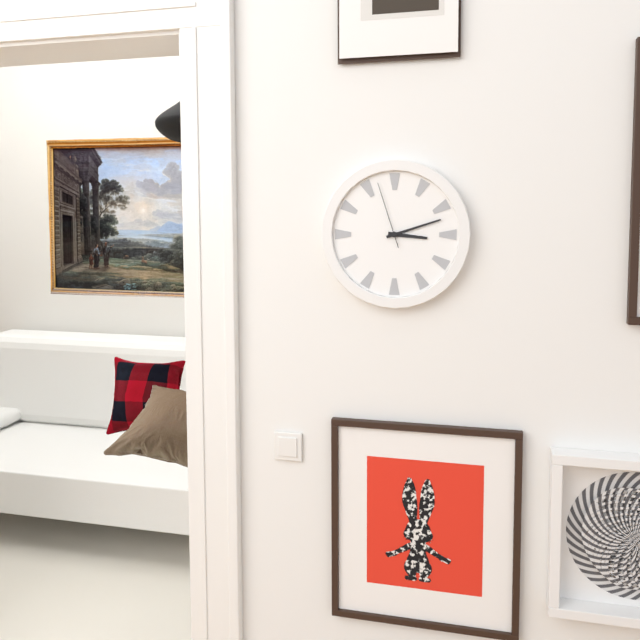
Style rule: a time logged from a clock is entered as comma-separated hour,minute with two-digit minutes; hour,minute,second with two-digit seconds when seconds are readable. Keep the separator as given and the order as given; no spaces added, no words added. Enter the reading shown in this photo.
3,12,57
